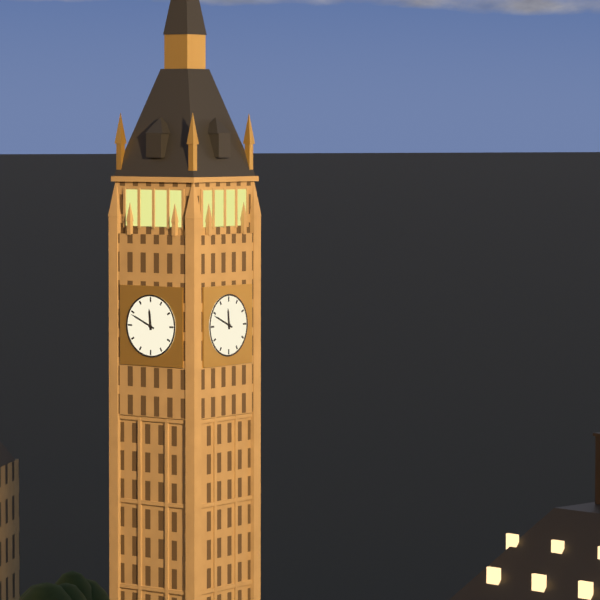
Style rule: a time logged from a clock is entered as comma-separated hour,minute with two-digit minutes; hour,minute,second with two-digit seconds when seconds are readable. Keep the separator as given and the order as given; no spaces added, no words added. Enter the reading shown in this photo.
11,49
